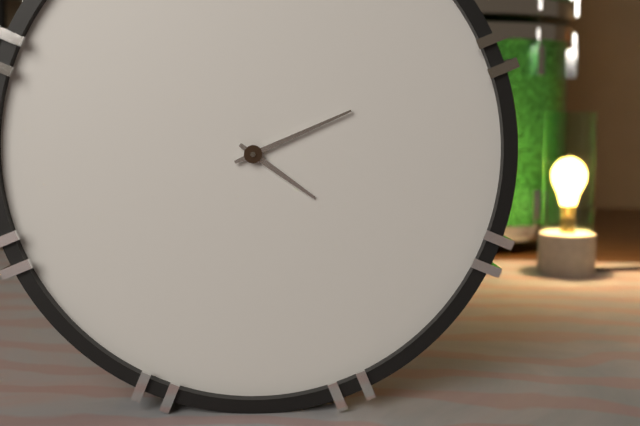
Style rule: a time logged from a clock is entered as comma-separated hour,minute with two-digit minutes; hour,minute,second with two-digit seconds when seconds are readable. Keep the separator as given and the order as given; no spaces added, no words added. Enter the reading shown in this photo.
4,11
